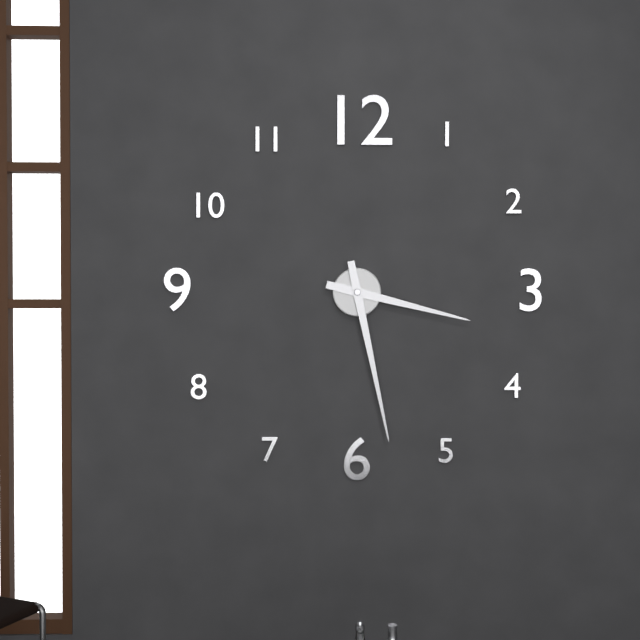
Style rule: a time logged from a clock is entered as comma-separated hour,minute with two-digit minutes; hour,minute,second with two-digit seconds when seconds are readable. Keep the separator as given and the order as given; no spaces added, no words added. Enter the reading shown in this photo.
3,28
